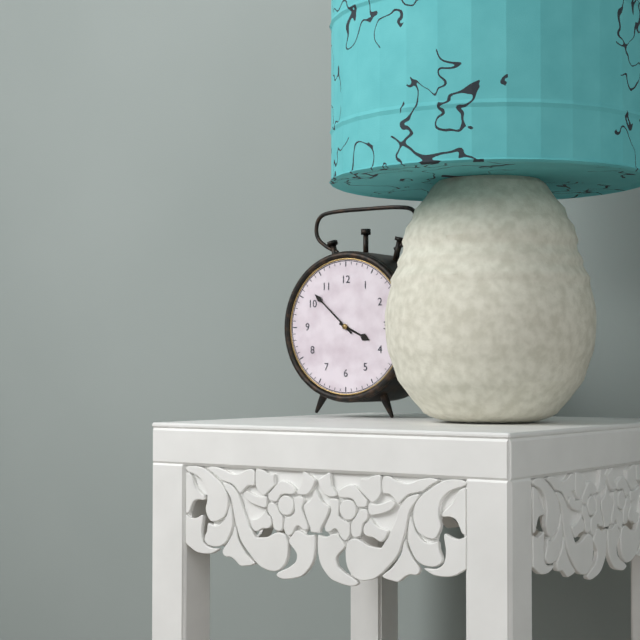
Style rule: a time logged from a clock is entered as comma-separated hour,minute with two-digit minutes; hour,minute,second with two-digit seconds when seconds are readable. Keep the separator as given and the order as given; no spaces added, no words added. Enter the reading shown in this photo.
3,52
